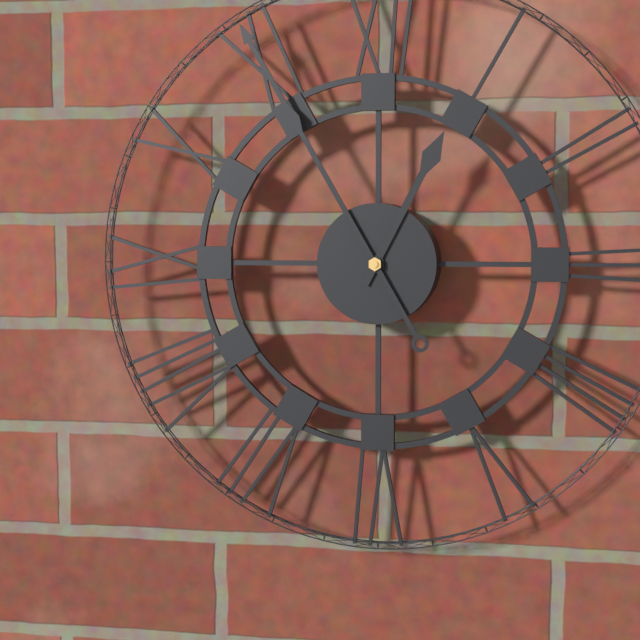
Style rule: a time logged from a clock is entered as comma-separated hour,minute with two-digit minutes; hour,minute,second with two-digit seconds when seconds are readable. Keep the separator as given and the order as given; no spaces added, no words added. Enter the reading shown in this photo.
12,55
